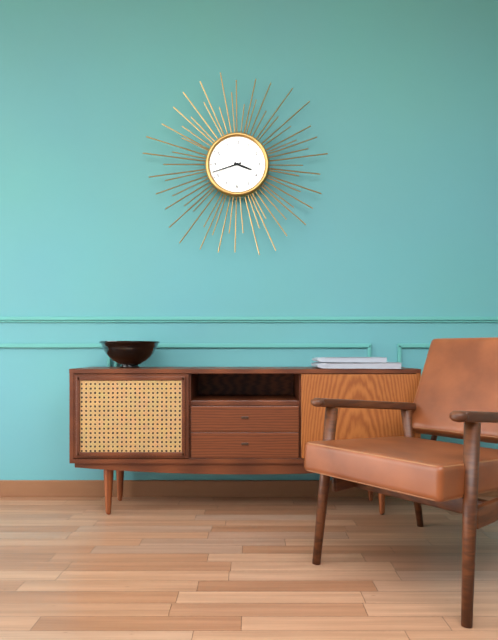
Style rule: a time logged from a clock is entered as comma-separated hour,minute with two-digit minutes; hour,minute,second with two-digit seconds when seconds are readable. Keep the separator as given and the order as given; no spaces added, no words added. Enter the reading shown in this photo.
3,42
